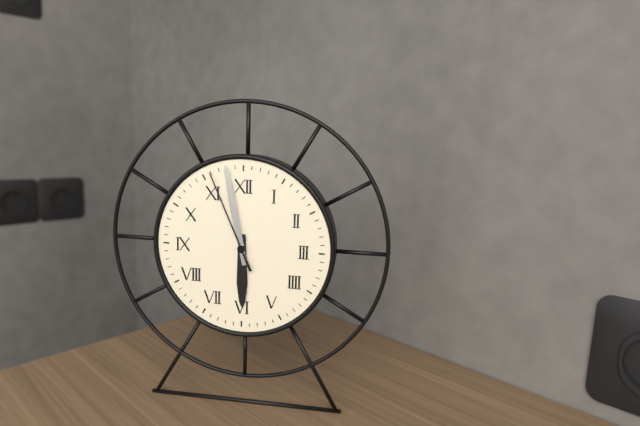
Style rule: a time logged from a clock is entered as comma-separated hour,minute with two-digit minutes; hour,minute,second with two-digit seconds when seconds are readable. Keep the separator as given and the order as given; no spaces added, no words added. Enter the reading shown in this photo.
5,58,56
